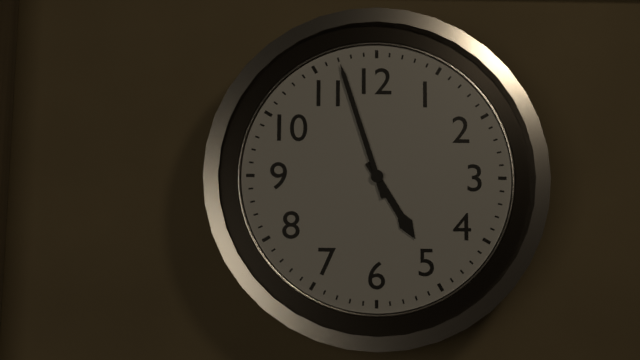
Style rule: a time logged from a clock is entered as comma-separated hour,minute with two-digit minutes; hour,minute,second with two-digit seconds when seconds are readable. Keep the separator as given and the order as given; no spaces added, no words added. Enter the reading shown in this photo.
4,57
